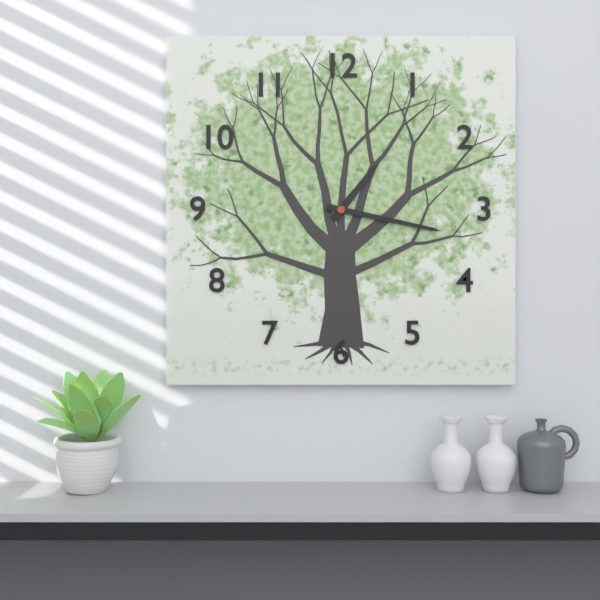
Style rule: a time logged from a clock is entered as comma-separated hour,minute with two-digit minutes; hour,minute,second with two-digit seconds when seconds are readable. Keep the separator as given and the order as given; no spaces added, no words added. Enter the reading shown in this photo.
1,17
